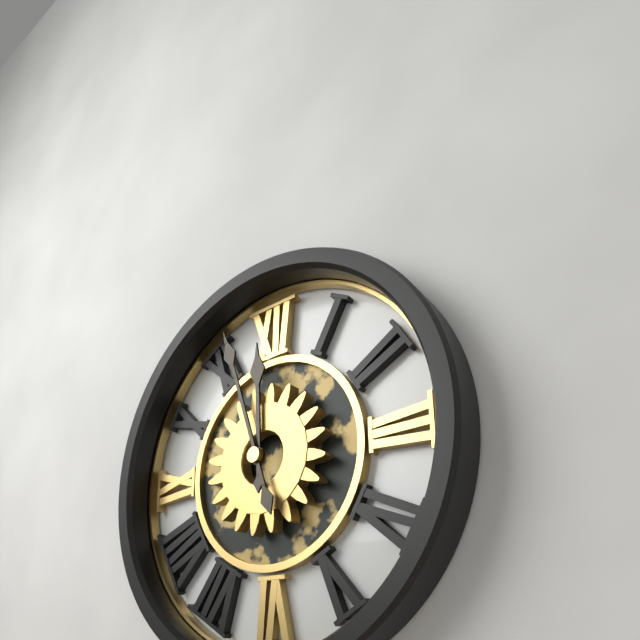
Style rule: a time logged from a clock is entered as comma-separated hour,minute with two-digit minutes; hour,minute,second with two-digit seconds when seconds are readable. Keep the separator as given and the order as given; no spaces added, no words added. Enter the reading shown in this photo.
11,57
